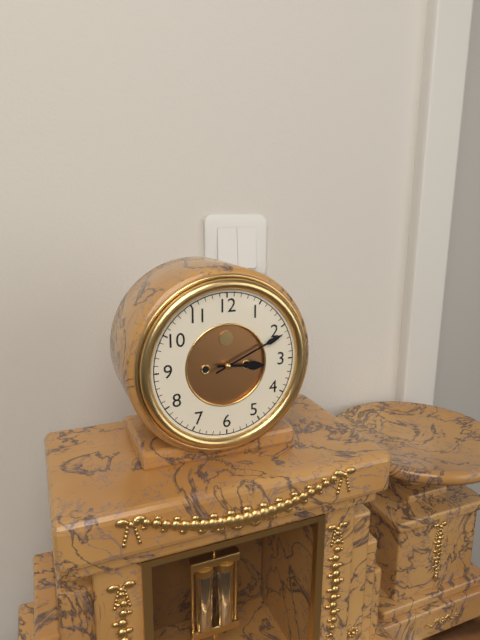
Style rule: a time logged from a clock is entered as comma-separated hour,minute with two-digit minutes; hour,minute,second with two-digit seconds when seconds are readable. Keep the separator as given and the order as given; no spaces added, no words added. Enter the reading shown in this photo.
3,11
